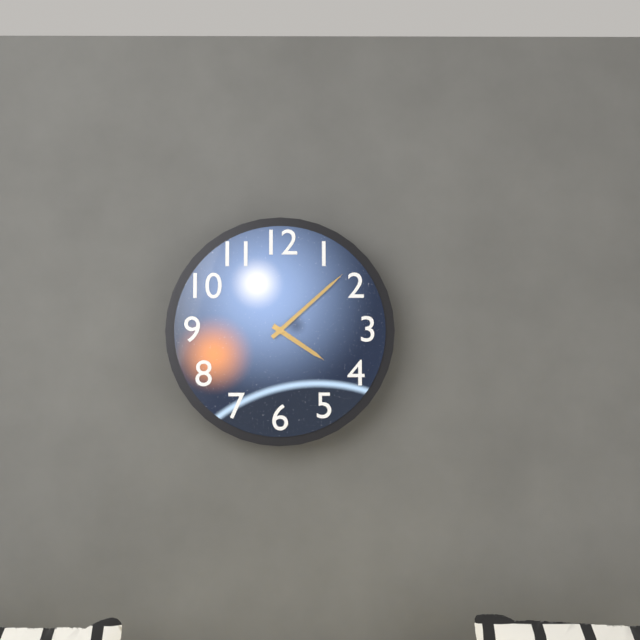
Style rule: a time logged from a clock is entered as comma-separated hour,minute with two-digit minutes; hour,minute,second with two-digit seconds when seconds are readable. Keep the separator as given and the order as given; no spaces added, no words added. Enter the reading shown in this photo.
4,08
